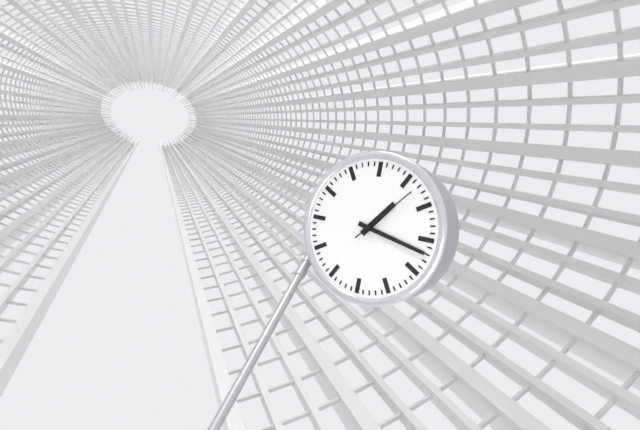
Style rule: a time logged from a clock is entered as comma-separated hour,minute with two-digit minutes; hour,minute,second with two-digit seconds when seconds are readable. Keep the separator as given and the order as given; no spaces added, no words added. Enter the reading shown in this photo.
1,17,07
